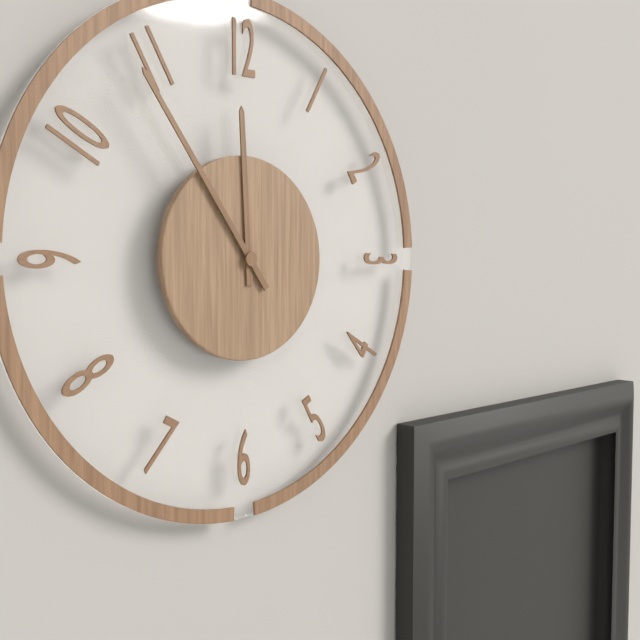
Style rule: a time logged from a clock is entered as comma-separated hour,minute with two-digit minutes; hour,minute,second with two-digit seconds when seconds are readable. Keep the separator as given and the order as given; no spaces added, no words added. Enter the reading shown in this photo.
11,54
